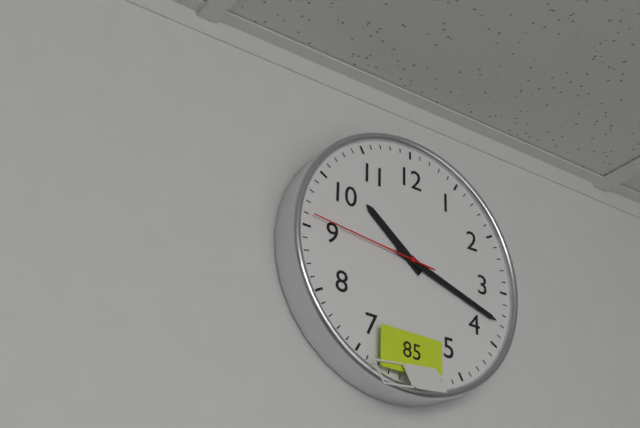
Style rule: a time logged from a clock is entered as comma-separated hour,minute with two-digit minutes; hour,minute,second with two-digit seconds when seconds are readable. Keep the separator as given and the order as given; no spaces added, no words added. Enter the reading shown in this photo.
10,18,46
